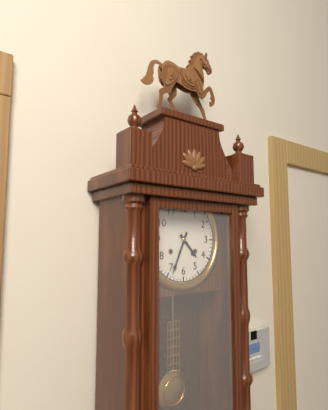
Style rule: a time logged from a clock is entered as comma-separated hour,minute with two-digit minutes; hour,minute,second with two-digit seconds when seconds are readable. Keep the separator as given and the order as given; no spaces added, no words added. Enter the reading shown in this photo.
4,34
